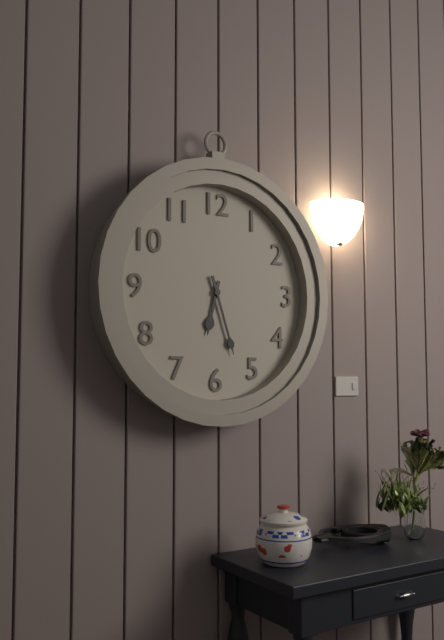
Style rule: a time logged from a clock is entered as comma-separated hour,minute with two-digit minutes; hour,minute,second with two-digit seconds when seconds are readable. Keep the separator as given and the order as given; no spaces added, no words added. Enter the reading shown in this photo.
6,27
